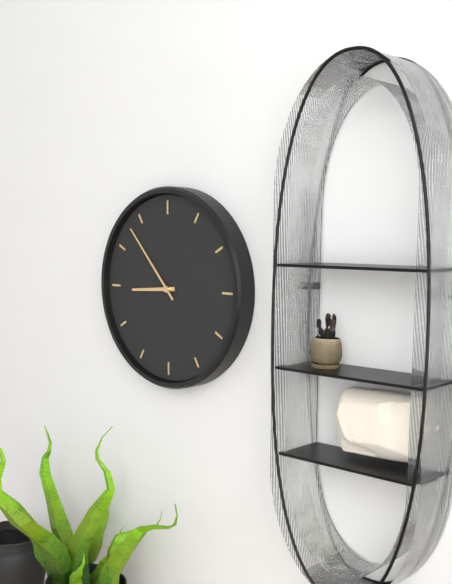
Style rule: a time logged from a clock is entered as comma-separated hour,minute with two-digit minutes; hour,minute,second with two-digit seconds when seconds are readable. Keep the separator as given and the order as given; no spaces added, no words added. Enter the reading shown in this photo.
8,53
